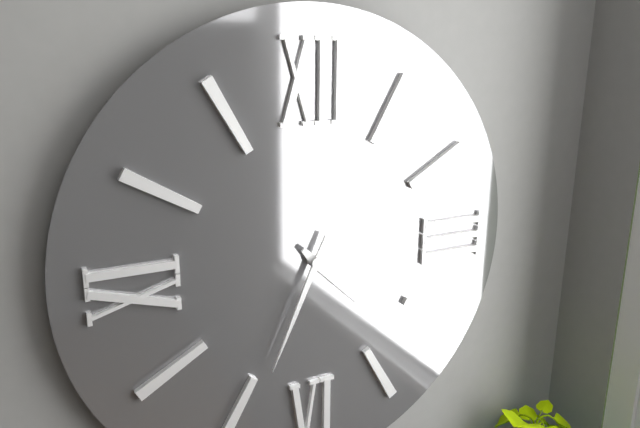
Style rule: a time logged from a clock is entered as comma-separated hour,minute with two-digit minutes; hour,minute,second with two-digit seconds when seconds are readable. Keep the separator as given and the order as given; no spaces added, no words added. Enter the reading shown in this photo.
4,34
